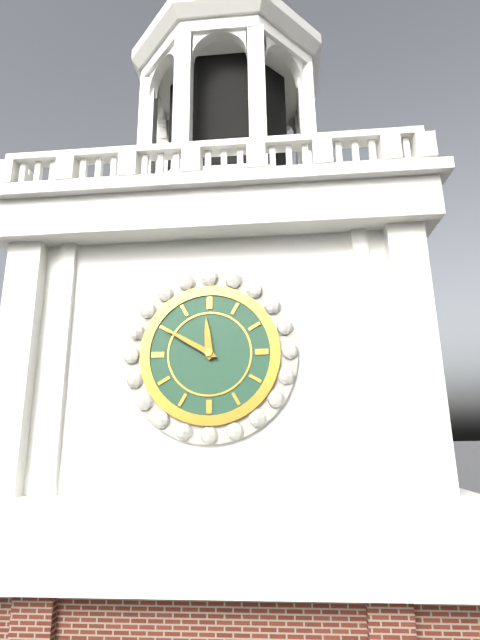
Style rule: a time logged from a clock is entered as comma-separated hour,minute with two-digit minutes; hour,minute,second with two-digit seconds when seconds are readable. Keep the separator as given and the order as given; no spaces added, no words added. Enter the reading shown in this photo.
11,50
